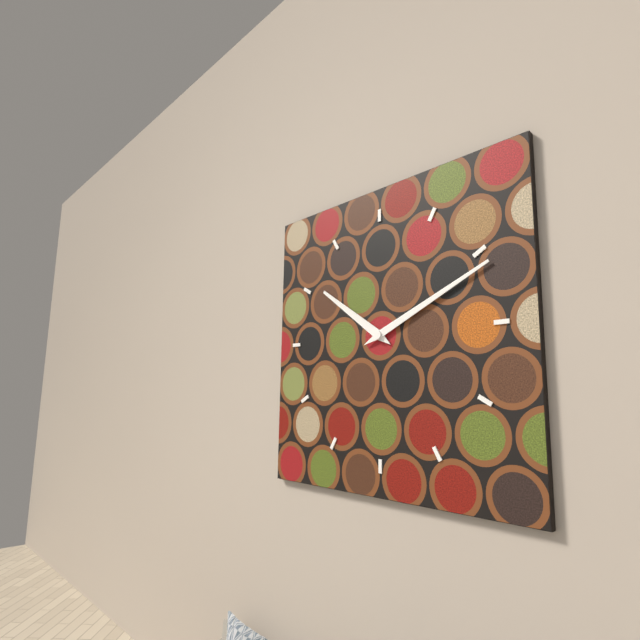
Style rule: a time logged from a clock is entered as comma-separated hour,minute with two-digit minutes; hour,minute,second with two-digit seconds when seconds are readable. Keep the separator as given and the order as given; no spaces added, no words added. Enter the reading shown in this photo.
10,11
